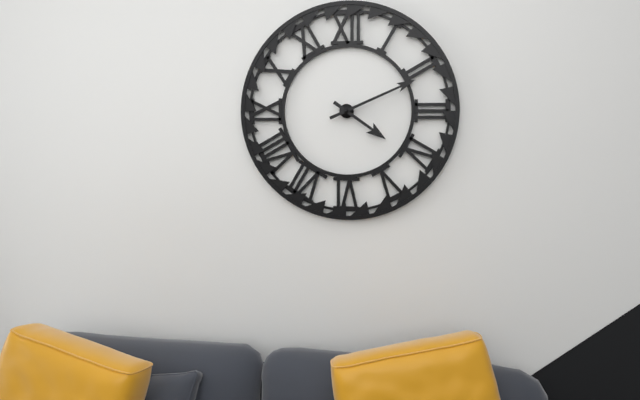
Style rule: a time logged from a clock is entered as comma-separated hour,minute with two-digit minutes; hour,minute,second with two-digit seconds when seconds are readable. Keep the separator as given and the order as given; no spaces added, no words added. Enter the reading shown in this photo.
4,11
